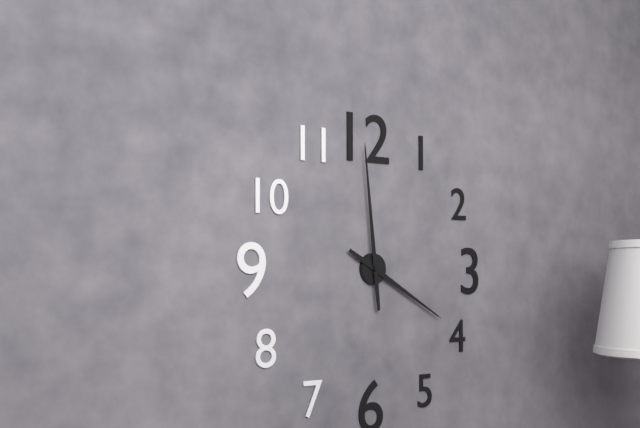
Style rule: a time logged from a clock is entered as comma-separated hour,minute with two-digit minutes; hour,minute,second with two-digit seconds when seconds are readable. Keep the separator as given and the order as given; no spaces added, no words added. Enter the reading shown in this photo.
3,59
